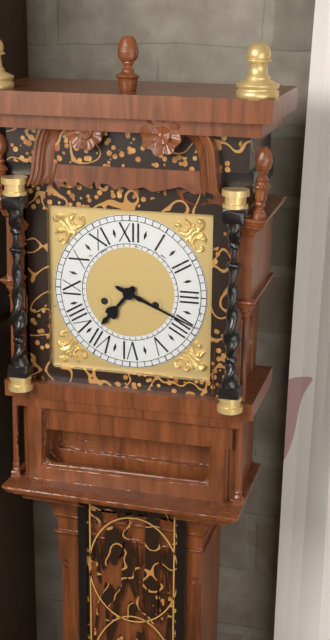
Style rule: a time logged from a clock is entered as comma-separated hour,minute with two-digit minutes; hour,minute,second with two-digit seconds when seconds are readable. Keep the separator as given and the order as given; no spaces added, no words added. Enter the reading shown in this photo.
7,19
